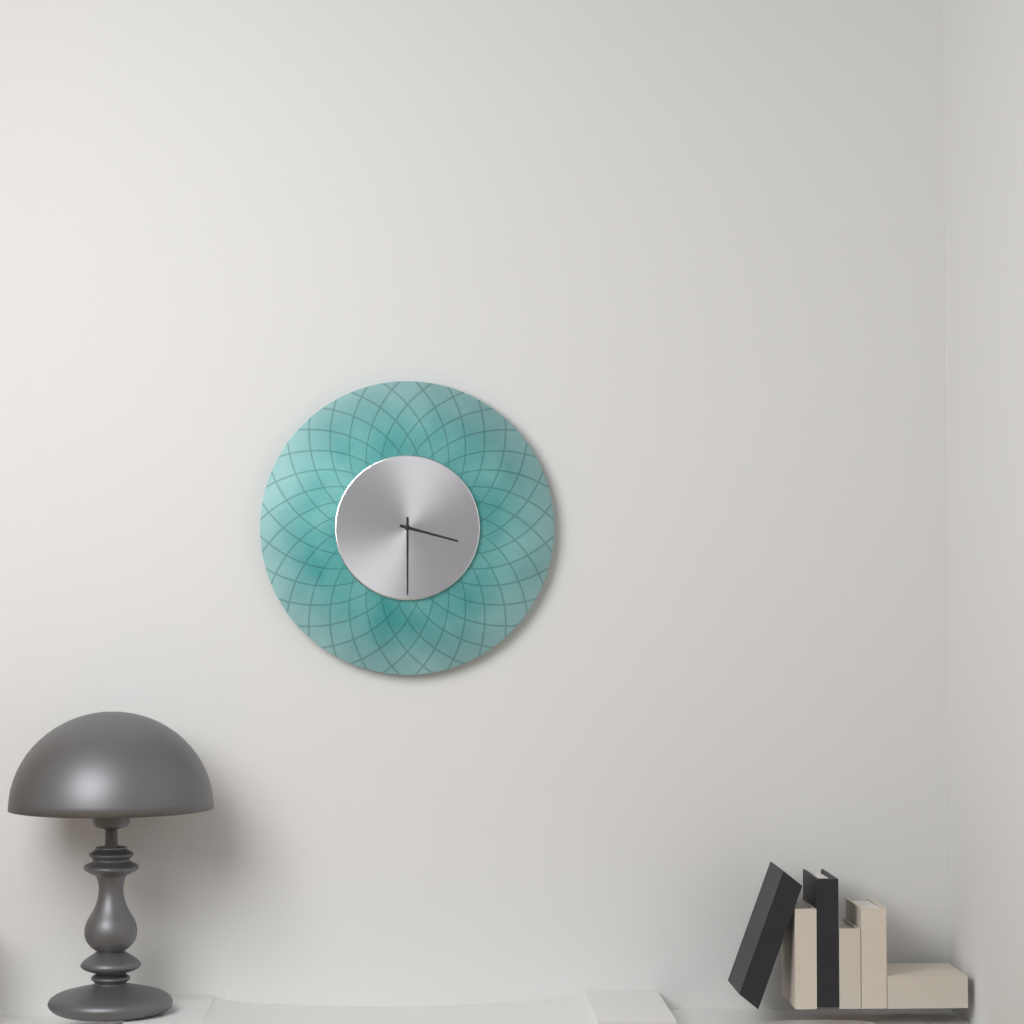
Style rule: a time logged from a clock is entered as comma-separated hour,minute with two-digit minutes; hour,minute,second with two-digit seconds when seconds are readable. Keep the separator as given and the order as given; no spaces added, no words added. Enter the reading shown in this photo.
3,30
